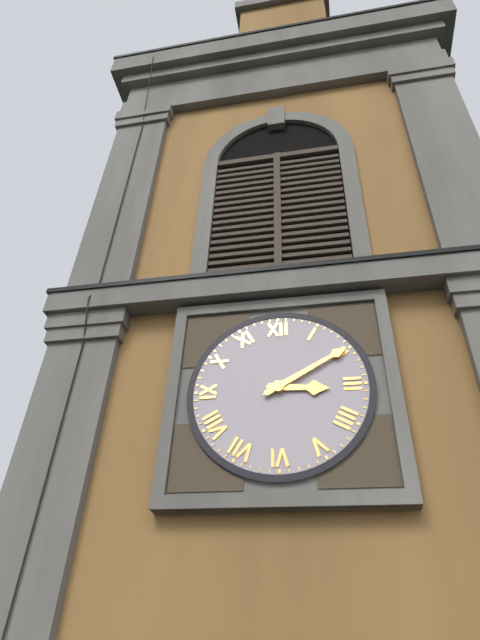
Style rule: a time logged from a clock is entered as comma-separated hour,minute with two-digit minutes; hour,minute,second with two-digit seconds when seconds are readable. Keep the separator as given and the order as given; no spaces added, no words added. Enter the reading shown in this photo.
3,10
